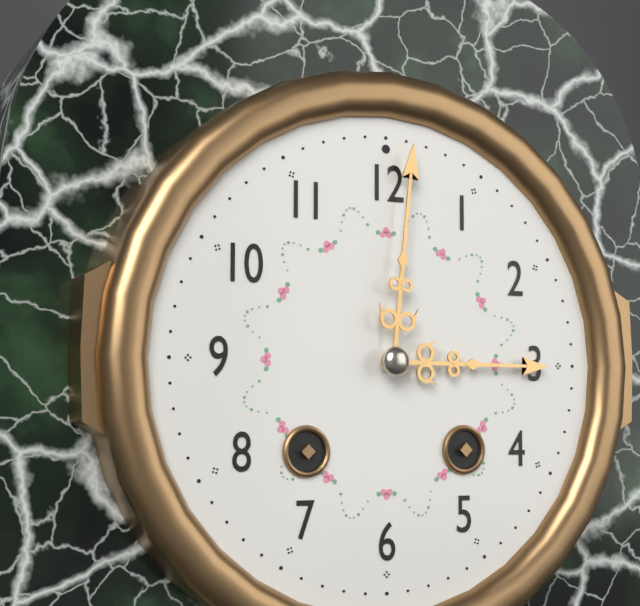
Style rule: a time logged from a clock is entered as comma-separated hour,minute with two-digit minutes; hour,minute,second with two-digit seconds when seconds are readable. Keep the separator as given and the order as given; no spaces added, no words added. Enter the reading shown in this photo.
3,01
